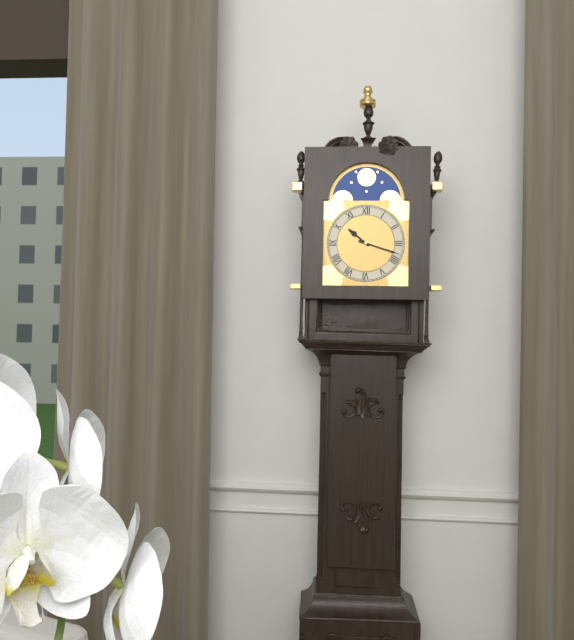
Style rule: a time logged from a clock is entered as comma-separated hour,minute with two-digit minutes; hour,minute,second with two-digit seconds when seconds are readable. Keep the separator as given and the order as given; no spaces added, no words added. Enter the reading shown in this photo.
10,18
